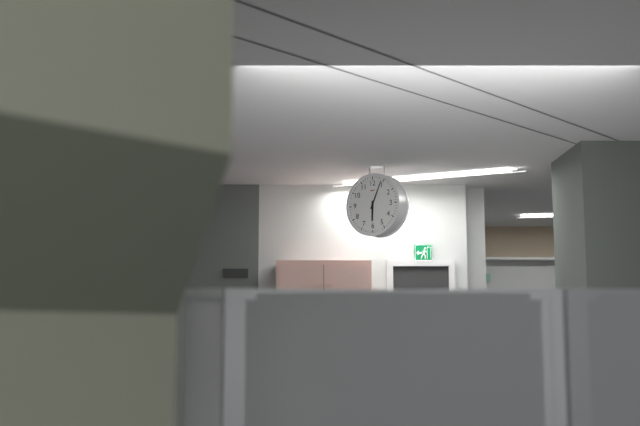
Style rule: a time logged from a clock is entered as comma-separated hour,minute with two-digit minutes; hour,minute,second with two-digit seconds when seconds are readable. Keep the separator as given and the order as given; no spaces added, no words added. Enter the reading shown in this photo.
6,04
